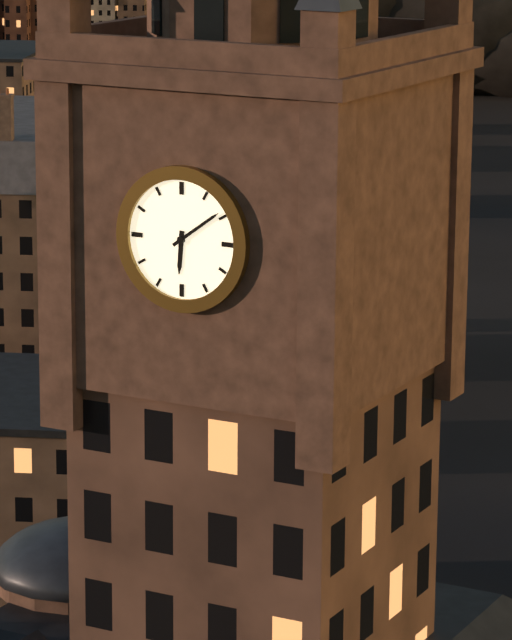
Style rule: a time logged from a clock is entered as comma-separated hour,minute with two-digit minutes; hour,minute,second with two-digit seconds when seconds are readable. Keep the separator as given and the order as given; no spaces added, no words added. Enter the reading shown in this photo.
6,09
